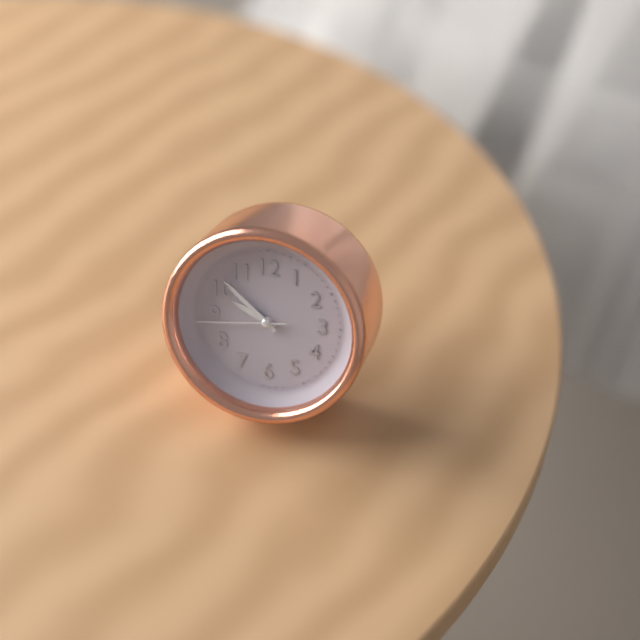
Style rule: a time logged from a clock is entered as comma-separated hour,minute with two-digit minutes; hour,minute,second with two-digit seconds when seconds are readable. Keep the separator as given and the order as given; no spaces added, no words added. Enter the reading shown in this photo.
9,52,44
